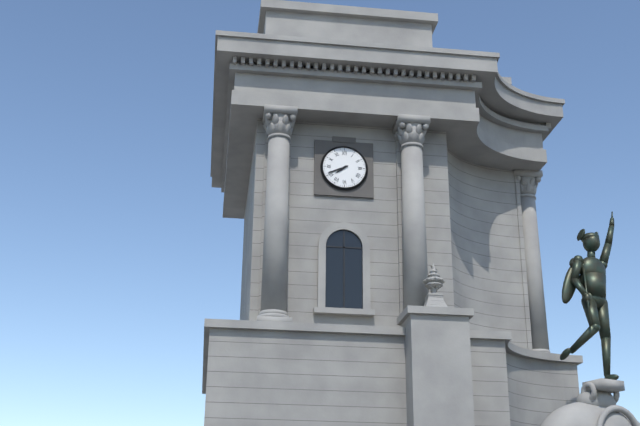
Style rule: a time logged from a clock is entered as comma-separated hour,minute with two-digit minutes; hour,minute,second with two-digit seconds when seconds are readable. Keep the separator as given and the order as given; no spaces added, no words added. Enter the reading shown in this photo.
7,41
